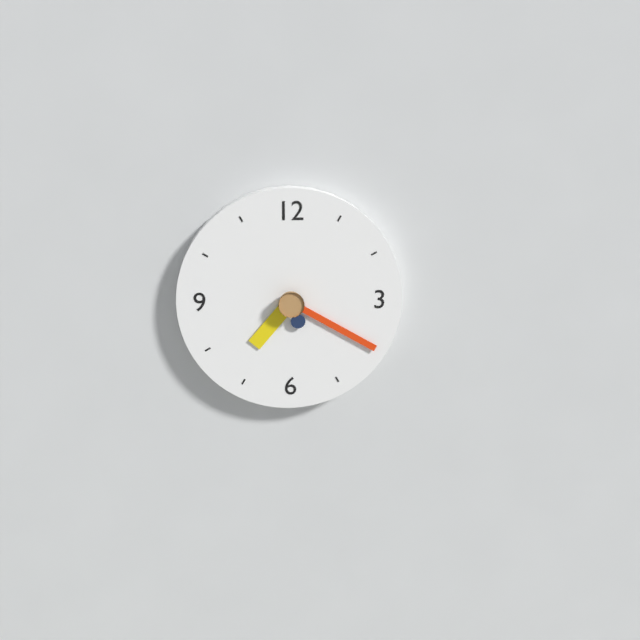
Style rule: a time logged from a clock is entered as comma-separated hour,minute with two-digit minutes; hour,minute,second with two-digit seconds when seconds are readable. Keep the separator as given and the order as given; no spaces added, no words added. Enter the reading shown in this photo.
7,20
